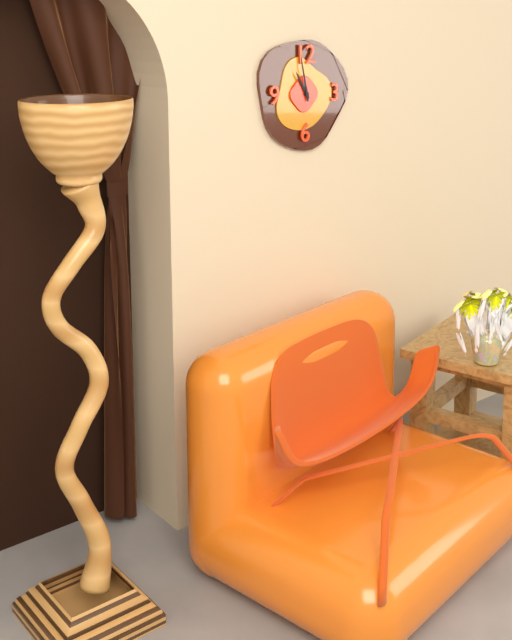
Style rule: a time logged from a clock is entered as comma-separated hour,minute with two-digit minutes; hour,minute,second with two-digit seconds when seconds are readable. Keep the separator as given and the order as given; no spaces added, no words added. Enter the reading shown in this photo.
10,58
